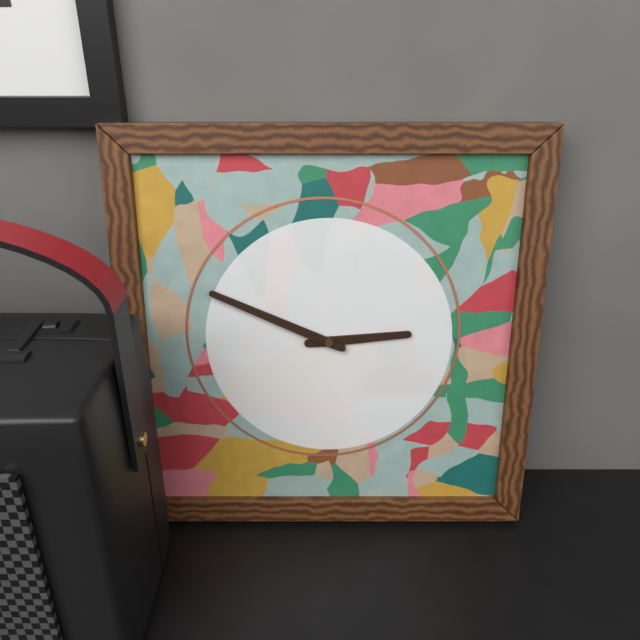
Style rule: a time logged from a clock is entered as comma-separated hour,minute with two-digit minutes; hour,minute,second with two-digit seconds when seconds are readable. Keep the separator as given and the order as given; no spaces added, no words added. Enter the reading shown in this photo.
2,49
